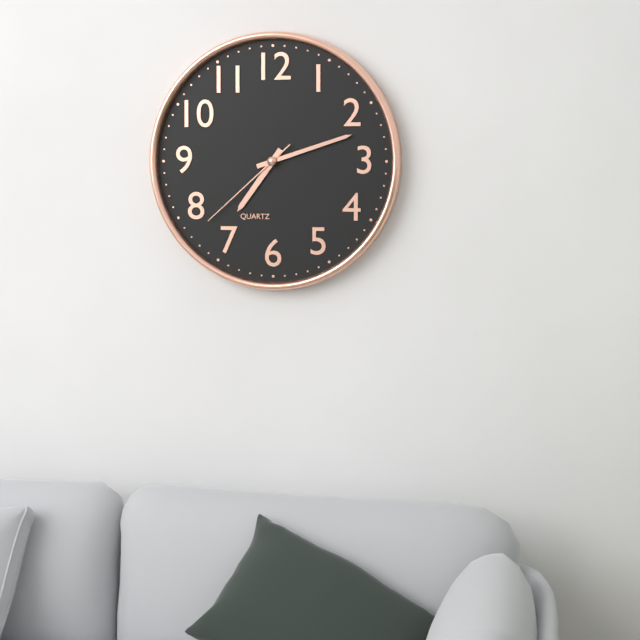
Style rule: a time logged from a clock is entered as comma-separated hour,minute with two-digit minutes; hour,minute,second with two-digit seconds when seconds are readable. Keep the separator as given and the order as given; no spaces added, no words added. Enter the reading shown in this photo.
7,12,38
